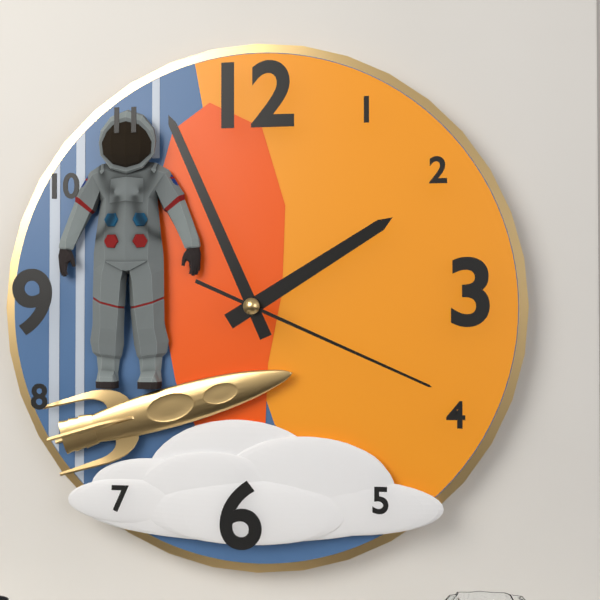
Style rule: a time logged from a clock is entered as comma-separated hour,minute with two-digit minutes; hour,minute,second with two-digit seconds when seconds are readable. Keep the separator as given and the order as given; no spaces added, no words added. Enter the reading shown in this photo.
1,56,19
